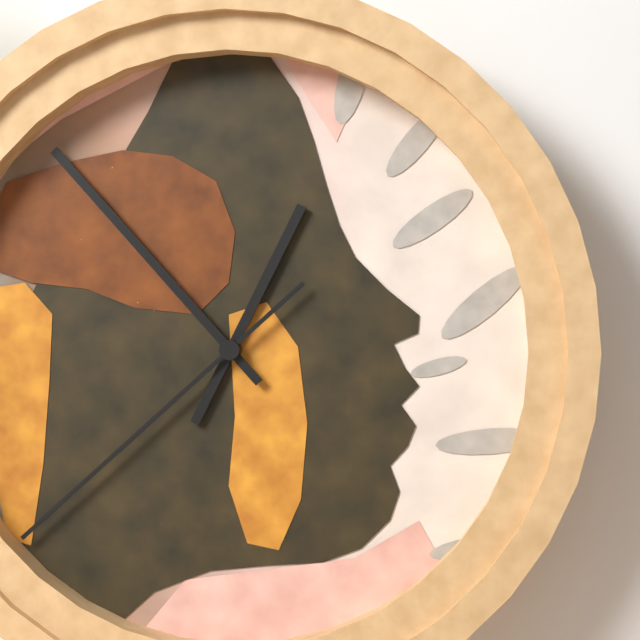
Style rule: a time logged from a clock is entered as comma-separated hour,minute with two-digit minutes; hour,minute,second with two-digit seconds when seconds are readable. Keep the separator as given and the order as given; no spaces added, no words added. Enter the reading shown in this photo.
12,53,38
